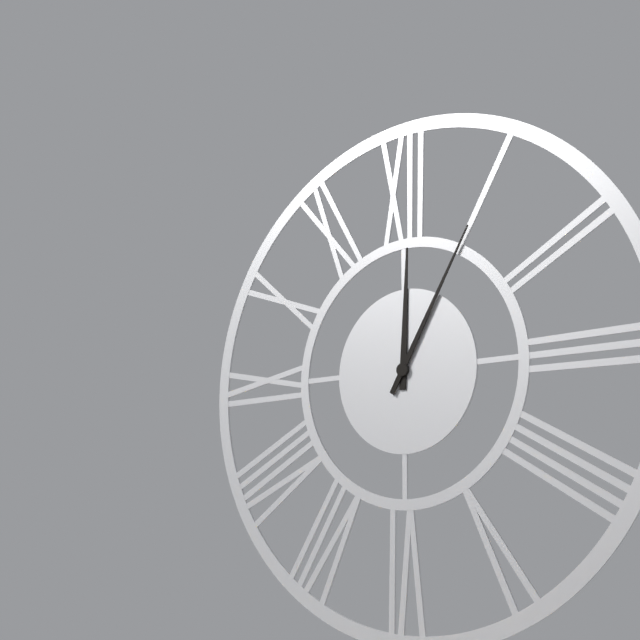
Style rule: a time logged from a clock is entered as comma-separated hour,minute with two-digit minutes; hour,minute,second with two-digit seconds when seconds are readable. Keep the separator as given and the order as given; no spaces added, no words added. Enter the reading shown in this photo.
12,05
